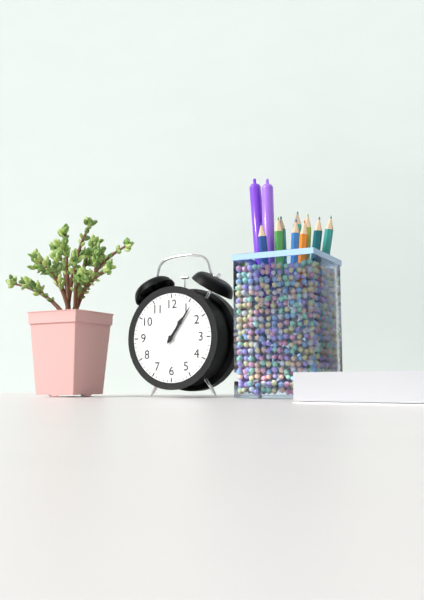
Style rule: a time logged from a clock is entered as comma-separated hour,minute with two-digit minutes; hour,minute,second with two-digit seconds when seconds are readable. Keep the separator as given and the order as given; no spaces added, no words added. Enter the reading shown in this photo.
1,06
